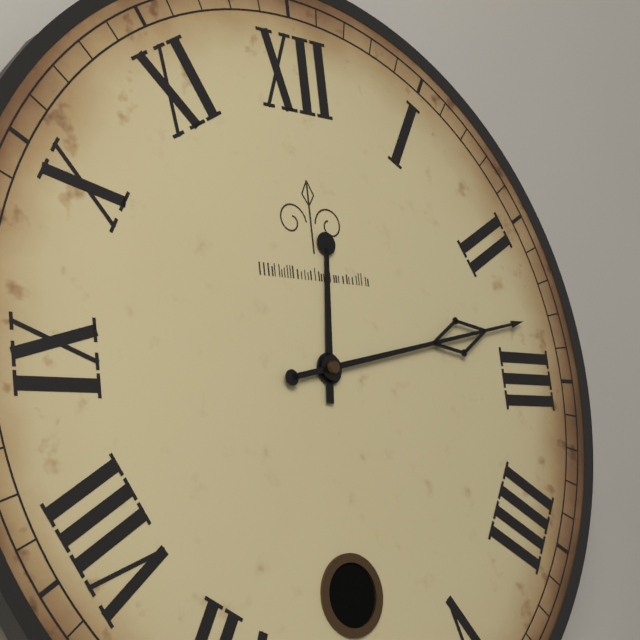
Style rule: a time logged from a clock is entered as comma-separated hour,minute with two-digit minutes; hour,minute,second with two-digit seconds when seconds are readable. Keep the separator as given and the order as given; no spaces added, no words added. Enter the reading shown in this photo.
12,13
